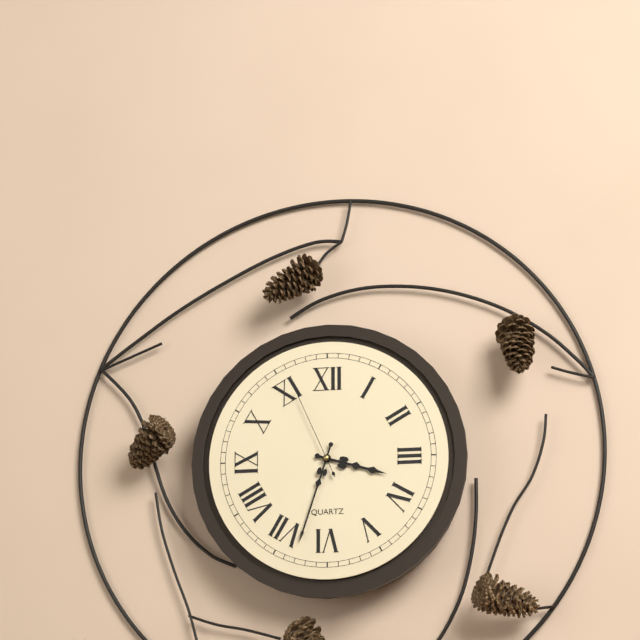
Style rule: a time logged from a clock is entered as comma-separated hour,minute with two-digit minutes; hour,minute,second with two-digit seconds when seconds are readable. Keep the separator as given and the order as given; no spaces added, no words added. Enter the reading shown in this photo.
3,33,56
